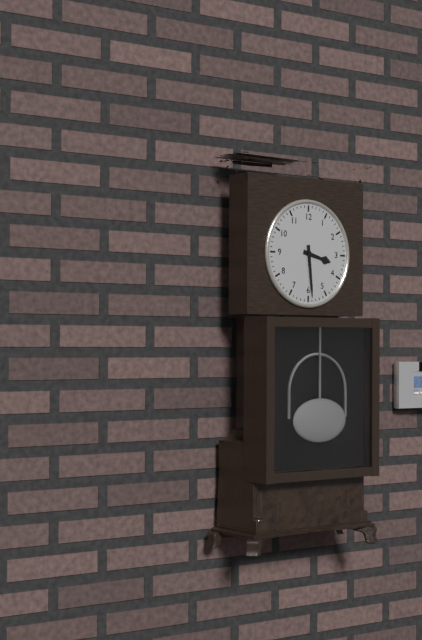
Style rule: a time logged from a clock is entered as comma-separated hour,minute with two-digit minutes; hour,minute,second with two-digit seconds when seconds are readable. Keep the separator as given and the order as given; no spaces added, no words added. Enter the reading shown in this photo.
3,29
